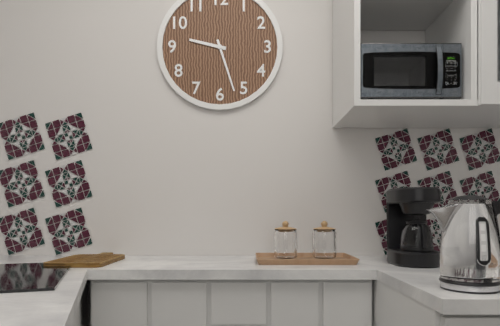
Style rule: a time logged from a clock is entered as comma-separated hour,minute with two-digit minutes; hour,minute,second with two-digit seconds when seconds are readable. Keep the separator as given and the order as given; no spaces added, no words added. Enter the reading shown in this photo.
9,27
